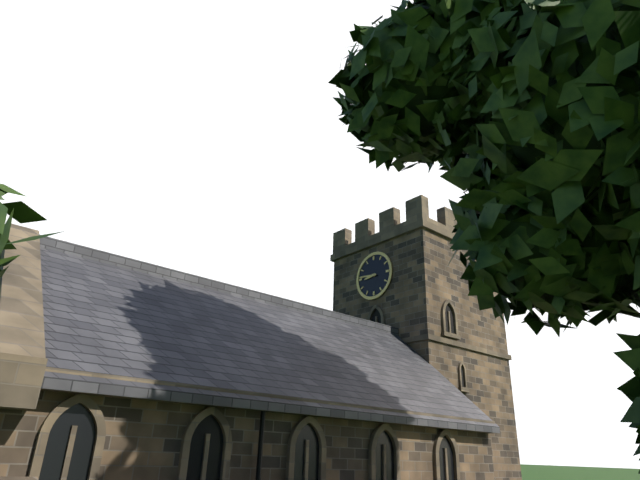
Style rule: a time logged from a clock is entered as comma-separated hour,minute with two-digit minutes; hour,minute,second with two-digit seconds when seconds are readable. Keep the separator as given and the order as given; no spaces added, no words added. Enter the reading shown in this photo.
8,46
